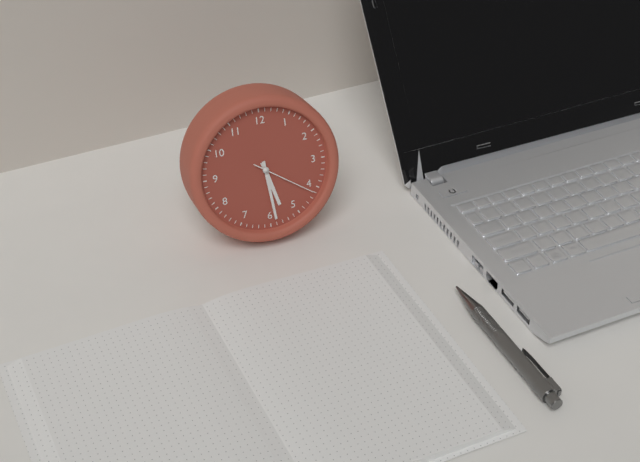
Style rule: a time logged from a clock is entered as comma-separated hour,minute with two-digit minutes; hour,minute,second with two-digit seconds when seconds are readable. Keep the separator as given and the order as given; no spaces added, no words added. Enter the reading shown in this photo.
5,29,21
